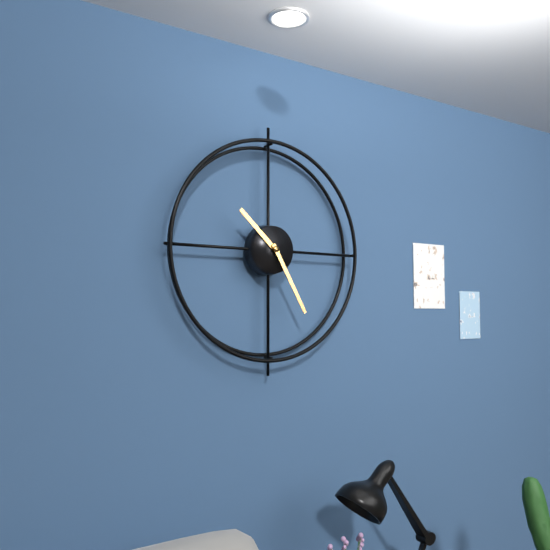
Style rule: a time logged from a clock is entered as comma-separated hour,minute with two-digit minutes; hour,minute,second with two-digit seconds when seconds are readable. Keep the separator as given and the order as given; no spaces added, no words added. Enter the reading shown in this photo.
10,25
